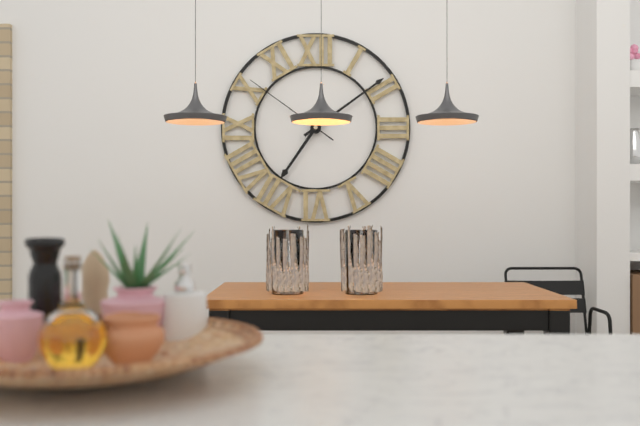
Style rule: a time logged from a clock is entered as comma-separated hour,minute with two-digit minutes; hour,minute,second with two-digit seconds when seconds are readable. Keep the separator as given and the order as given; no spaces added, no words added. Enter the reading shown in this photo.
7,09,51
